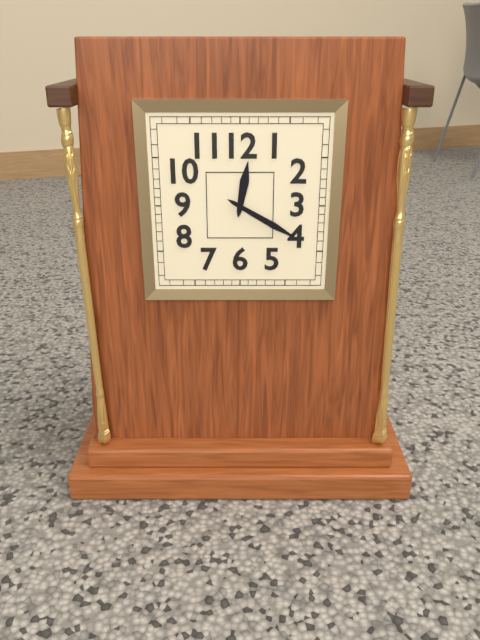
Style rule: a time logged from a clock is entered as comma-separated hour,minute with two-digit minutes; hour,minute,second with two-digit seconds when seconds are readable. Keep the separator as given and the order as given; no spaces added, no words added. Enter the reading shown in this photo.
12,20
